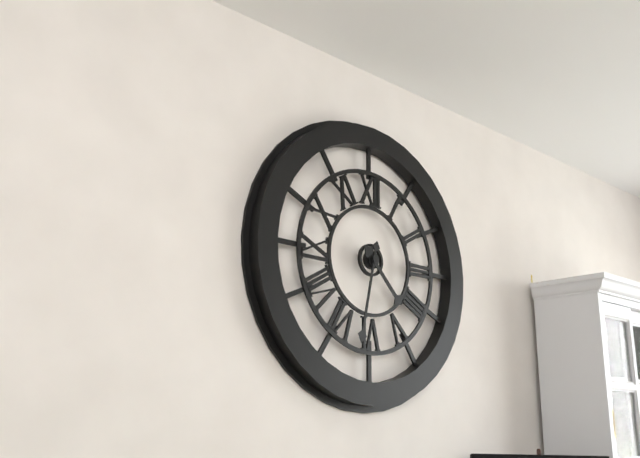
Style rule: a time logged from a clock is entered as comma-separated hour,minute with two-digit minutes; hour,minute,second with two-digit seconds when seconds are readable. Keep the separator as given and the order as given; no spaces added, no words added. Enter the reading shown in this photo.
4,32
